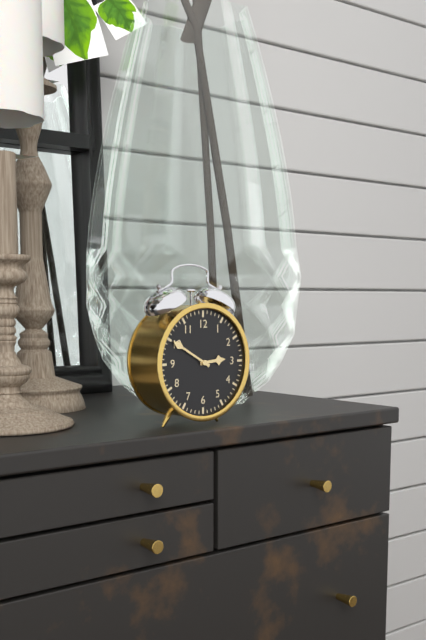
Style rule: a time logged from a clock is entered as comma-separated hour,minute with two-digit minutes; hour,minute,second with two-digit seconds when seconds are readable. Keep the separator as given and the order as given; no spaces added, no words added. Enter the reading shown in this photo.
2,50
